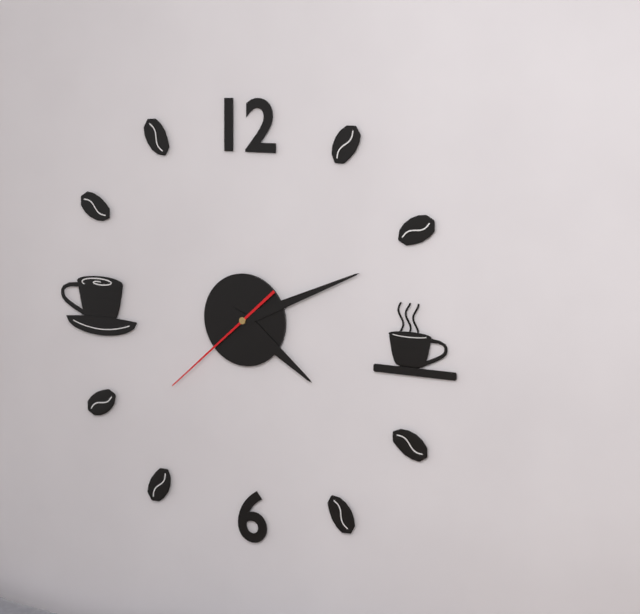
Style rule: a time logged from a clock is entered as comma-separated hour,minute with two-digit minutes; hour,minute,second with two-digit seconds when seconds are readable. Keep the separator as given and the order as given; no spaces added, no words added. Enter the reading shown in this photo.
4,11,38
